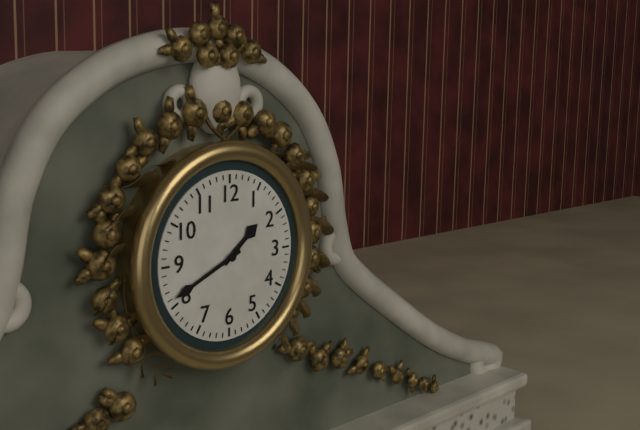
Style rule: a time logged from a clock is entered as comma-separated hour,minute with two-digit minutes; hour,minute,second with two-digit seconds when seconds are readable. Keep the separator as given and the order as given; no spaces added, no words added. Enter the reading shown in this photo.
1,41
